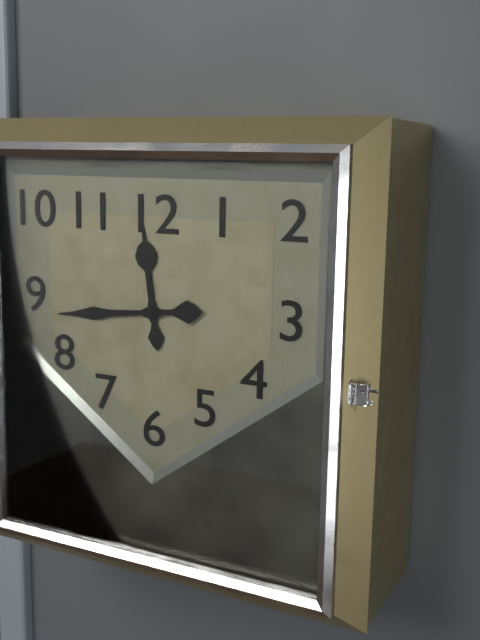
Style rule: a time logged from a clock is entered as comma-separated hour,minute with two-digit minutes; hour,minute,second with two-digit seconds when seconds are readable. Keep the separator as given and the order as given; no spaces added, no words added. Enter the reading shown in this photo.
11,44
